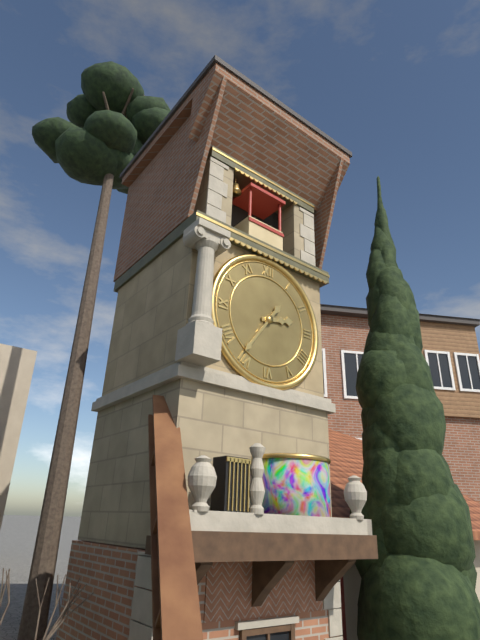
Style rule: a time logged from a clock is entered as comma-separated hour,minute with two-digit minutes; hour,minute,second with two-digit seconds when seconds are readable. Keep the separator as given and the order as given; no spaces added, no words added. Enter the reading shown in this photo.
2,36
